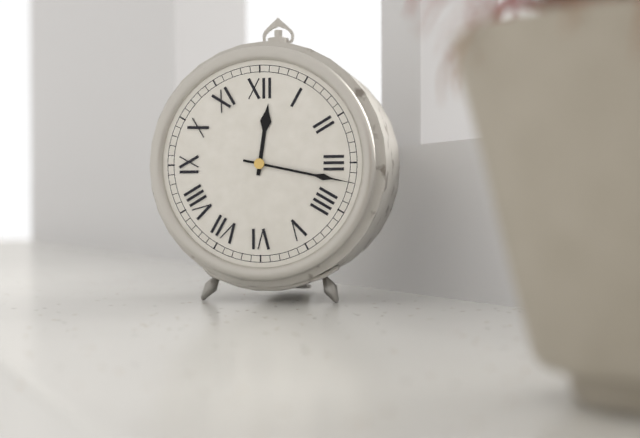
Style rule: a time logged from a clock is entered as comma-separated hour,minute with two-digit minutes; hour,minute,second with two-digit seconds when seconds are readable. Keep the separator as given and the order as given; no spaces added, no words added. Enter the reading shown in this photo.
12,17
